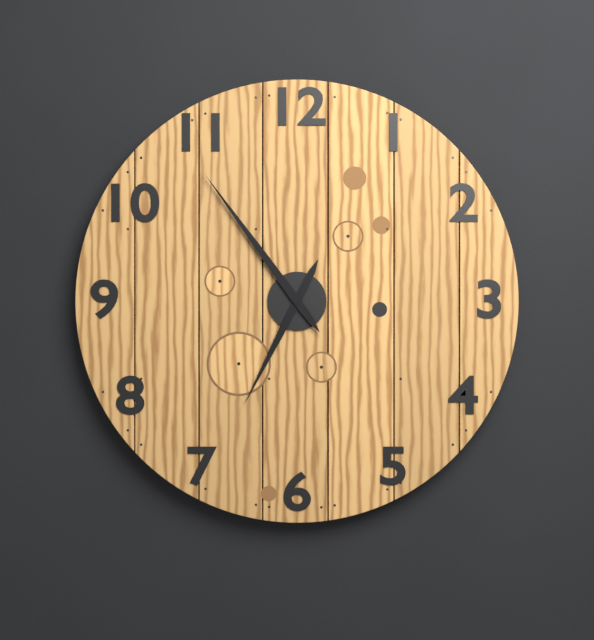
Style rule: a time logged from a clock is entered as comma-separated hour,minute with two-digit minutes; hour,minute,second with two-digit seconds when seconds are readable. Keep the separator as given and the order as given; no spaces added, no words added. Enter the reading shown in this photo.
6,54
